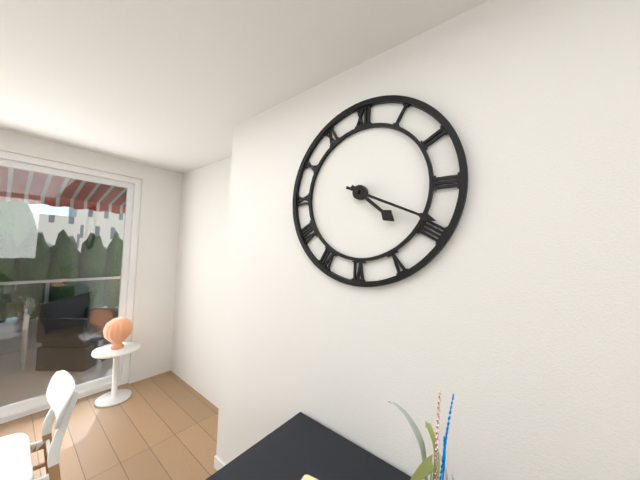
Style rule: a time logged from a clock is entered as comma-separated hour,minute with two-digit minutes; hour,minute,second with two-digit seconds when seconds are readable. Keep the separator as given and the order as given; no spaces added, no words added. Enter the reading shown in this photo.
4,19
